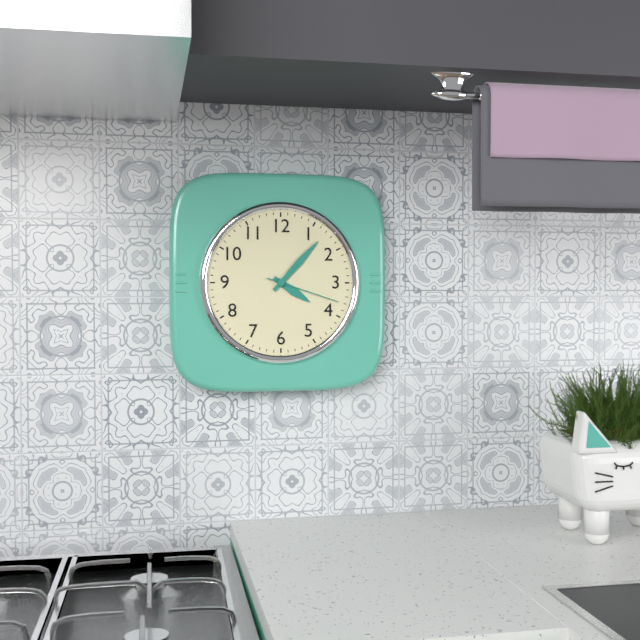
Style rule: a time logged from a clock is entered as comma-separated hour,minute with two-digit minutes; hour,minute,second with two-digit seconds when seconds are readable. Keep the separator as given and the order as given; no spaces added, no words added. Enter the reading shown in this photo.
4,07,18
